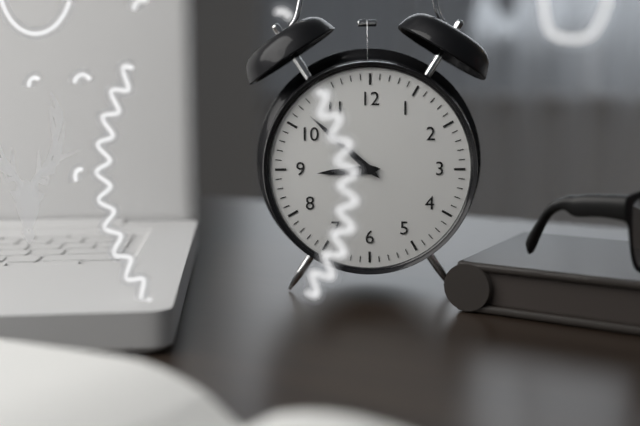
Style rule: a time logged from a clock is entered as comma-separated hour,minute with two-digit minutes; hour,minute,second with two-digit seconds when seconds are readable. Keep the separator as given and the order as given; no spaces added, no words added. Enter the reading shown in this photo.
8,52
